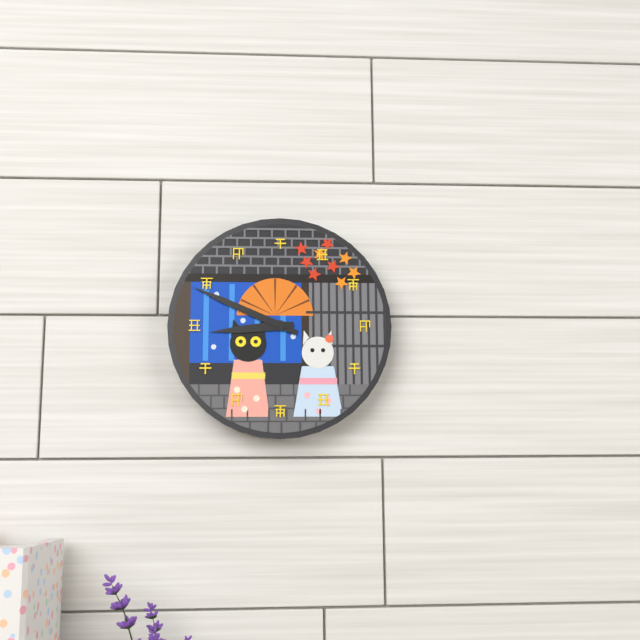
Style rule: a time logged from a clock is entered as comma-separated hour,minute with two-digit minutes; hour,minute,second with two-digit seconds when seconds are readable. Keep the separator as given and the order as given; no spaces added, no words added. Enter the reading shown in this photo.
8,49
